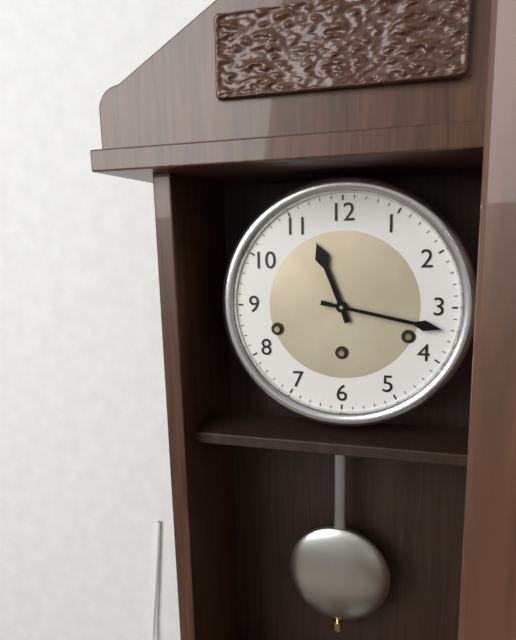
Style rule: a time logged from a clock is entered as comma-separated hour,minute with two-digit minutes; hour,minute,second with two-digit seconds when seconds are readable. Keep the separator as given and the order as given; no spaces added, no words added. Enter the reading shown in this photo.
11,17
